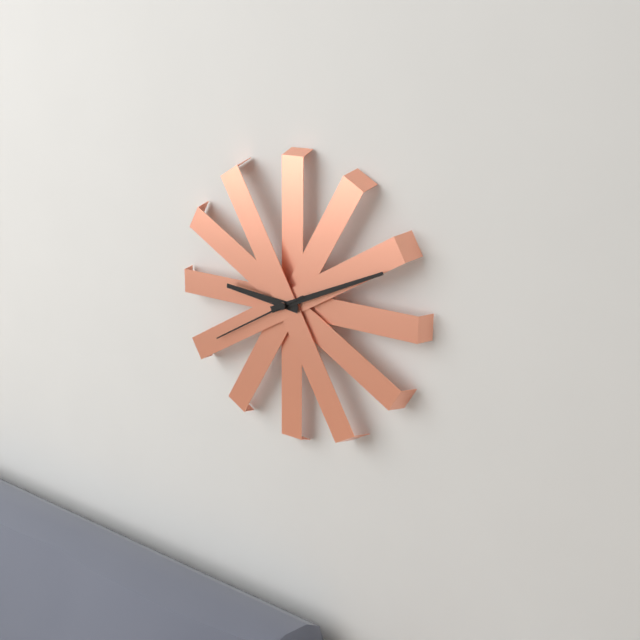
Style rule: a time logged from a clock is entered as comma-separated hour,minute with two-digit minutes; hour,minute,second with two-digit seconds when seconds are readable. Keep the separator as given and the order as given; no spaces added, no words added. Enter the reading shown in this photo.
9,11,40
